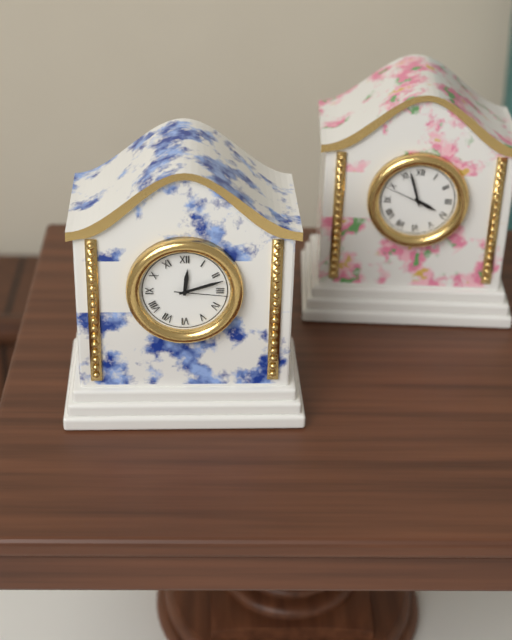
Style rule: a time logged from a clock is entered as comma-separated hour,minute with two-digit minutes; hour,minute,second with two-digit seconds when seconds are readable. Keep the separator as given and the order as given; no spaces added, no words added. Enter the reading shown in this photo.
12,12,16
